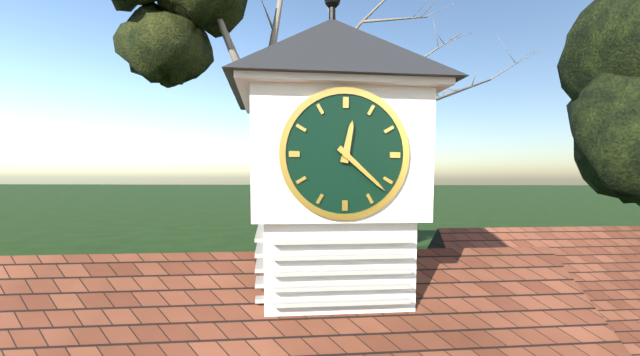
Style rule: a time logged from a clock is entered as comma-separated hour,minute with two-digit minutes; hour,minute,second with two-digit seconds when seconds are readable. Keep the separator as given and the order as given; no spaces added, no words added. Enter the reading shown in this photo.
12,22
